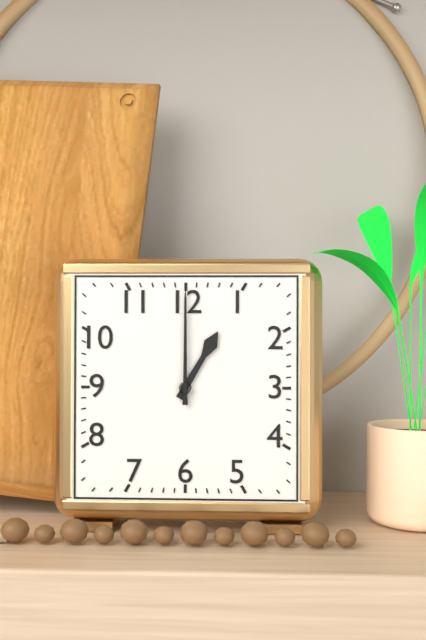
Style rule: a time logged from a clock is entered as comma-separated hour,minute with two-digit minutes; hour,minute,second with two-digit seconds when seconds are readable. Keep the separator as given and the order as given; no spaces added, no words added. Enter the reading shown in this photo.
1,00
